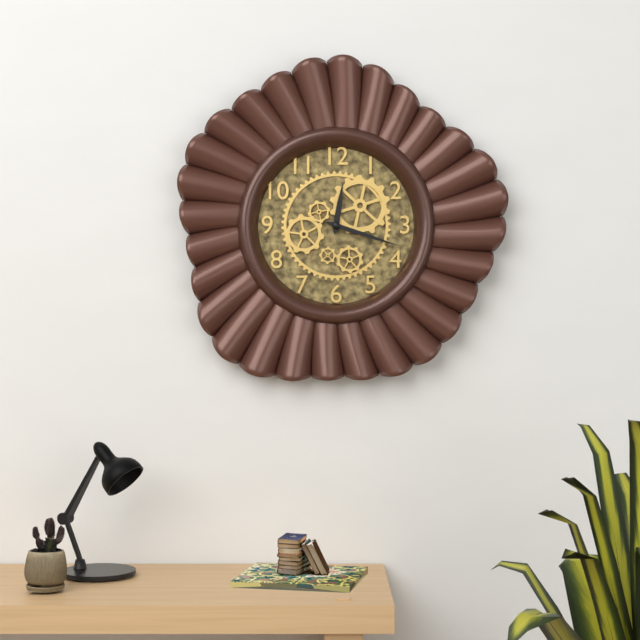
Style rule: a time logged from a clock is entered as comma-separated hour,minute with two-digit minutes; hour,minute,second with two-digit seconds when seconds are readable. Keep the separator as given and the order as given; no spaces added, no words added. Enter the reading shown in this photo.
12,18
